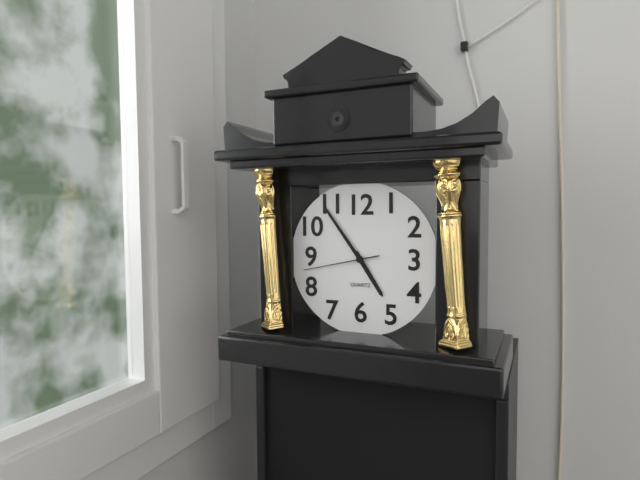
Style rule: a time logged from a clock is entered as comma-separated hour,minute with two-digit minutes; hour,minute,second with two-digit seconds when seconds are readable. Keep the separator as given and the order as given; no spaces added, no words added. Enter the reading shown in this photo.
4,54,43
